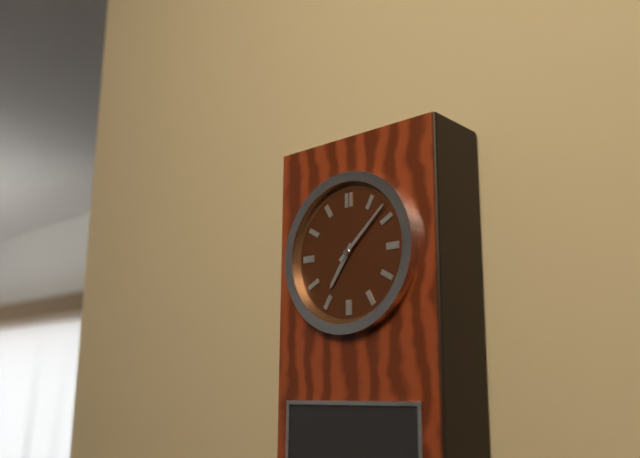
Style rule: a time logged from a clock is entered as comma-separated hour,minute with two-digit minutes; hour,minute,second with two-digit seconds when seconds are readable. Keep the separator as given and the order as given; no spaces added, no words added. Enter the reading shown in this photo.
7,08
